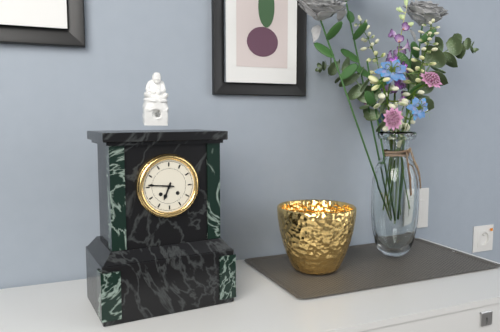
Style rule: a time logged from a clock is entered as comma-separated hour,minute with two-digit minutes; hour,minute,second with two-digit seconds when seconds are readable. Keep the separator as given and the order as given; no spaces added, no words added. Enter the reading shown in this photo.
6,46
